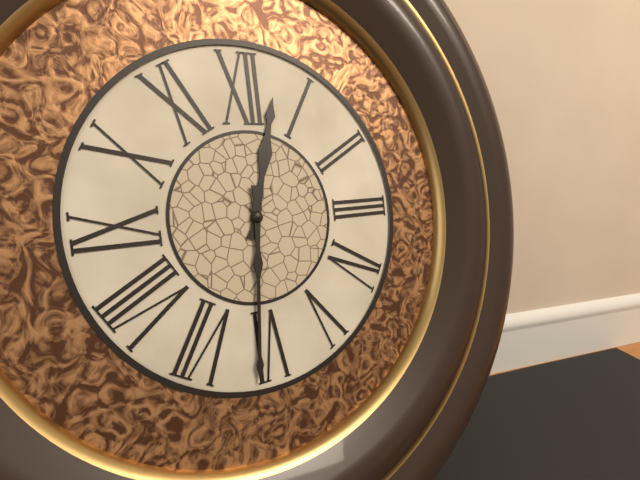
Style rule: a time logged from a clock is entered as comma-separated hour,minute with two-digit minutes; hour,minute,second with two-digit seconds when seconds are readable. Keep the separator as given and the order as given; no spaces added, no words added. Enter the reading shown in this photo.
12,31
